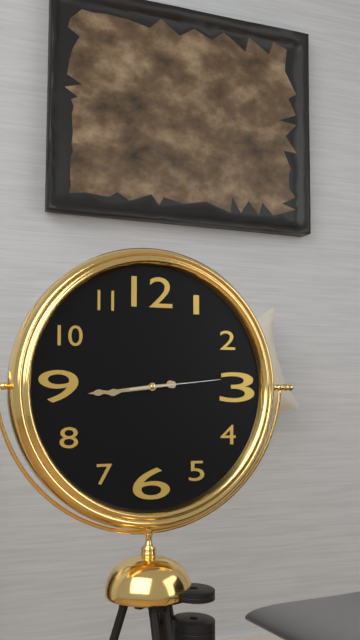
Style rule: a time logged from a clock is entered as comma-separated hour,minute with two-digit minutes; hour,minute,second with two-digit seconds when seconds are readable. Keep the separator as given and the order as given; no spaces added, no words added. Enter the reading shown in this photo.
8,44,14
